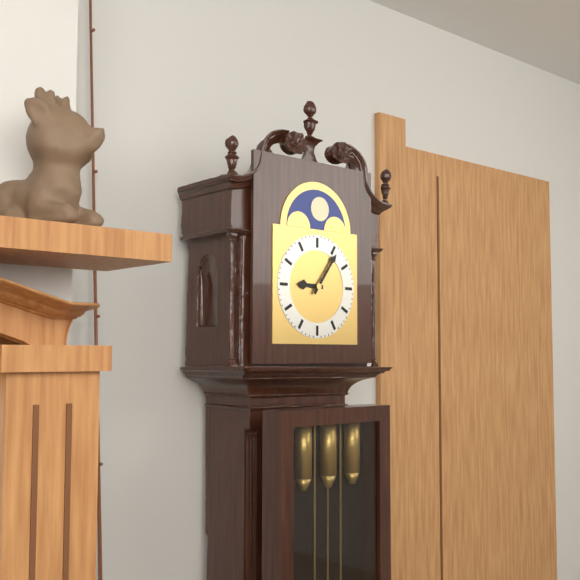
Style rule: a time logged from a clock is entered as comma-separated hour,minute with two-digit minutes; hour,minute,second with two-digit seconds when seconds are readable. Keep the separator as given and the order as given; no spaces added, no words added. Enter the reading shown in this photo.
9,06
